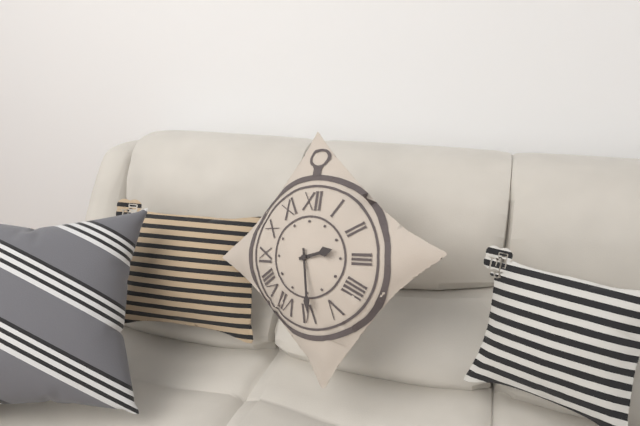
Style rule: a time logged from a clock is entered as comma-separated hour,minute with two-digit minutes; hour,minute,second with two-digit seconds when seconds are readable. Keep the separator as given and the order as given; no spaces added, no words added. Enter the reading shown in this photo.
2,29
